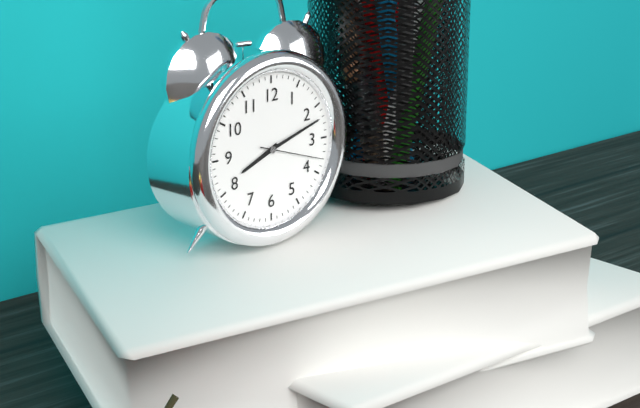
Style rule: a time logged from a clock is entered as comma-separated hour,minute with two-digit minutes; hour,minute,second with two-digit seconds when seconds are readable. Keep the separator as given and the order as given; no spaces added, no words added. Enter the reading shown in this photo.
8,12,18
